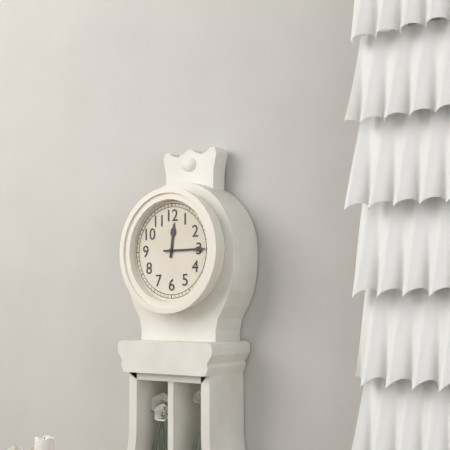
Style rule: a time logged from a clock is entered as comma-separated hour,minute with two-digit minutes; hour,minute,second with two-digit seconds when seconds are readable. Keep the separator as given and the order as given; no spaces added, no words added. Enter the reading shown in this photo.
12,15
